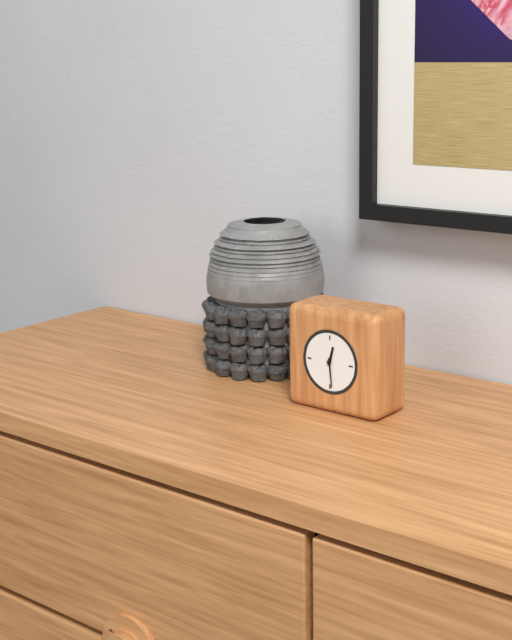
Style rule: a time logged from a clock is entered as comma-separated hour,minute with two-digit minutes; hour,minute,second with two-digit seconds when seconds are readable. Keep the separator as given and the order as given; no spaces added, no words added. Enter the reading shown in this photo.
12,29
